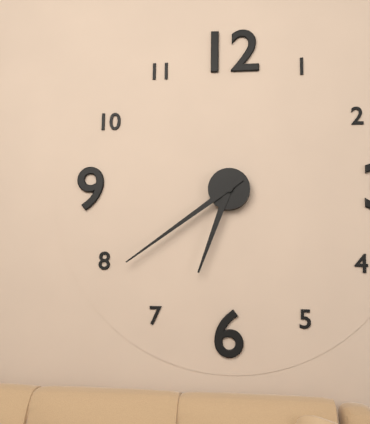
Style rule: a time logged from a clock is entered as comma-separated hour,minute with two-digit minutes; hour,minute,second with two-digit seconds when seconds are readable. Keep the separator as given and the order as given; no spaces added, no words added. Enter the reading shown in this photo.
6,39
